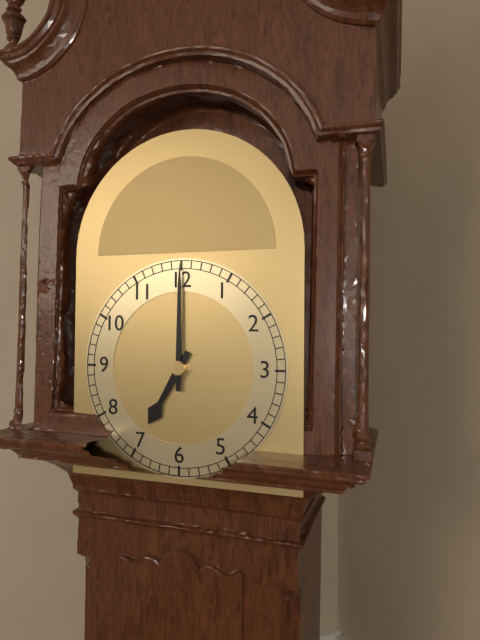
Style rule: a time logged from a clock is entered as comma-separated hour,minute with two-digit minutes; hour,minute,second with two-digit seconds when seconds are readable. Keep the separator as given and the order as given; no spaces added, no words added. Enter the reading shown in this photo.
7,00
